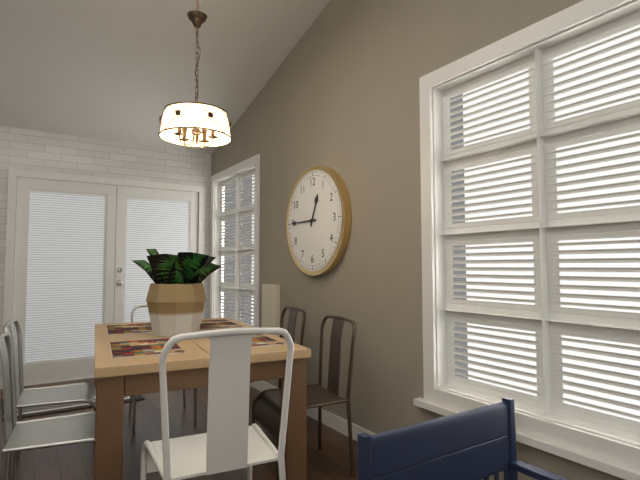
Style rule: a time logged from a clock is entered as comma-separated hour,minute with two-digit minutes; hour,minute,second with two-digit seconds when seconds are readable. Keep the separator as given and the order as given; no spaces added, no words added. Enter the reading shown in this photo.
12,45
